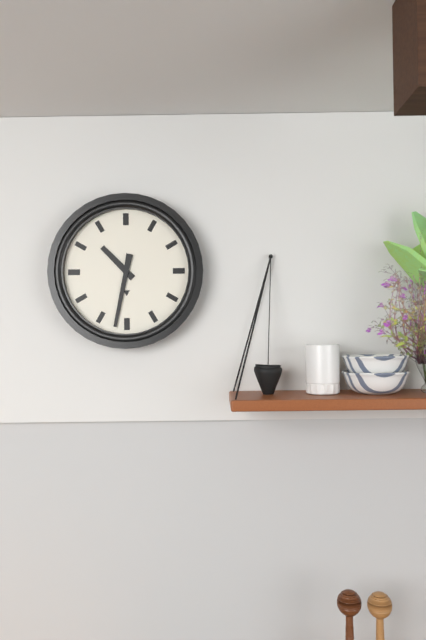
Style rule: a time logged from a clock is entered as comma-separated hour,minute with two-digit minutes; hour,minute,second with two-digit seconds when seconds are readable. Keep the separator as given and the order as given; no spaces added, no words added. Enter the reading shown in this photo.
10,32
